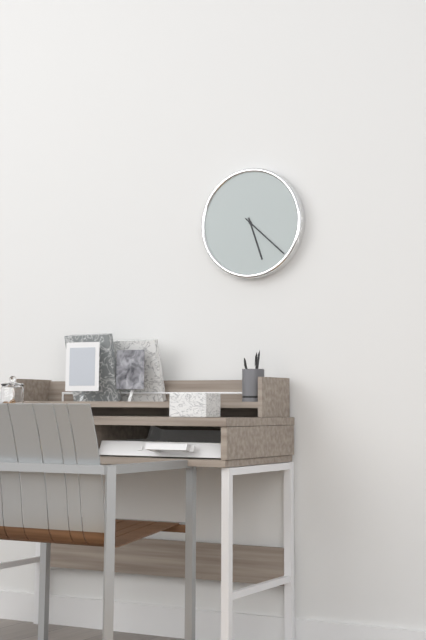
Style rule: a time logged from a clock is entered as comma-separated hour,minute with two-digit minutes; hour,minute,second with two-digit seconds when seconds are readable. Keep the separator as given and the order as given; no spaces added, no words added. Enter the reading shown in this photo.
5,22
